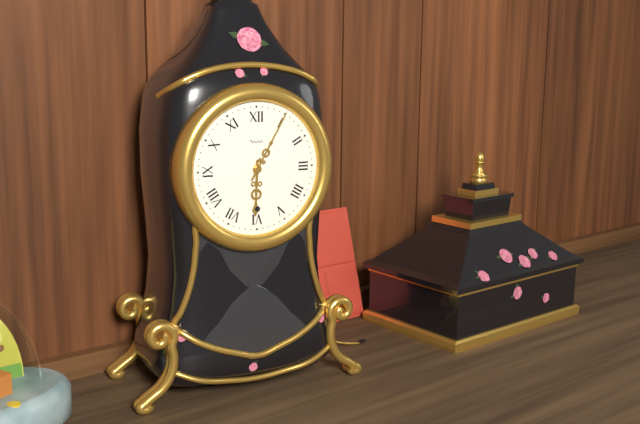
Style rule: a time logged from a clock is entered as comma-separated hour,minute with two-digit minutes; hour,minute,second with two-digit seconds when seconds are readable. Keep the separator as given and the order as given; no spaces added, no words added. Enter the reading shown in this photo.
6,05
